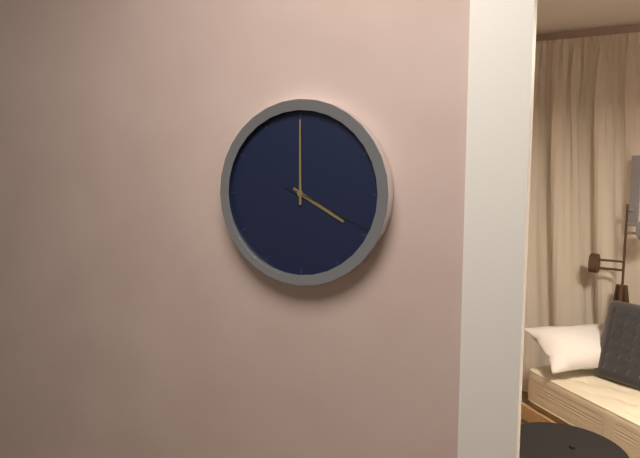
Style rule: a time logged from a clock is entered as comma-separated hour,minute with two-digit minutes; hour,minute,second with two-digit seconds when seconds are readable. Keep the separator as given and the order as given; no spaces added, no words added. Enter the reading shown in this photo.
4,00,19
